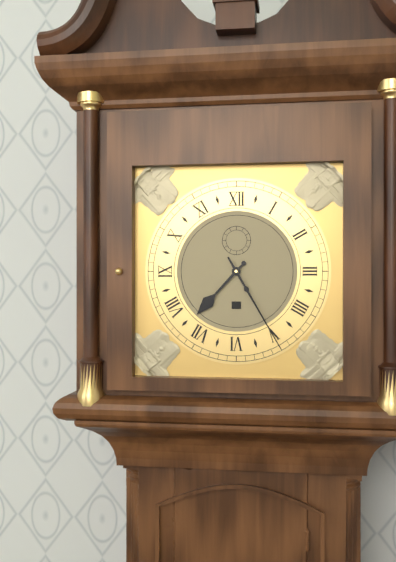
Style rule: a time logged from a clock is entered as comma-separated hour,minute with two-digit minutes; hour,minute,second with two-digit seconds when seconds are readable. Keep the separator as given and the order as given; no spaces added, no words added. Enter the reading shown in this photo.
7,25
